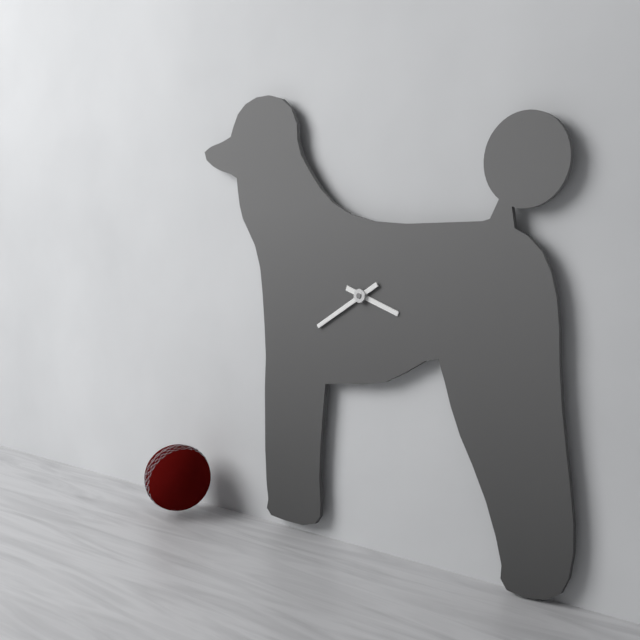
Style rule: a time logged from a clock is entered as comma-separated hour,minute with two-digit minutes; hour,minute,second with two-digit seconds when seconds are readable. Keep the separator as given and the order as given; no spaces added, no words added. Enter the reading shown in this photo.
3,40
